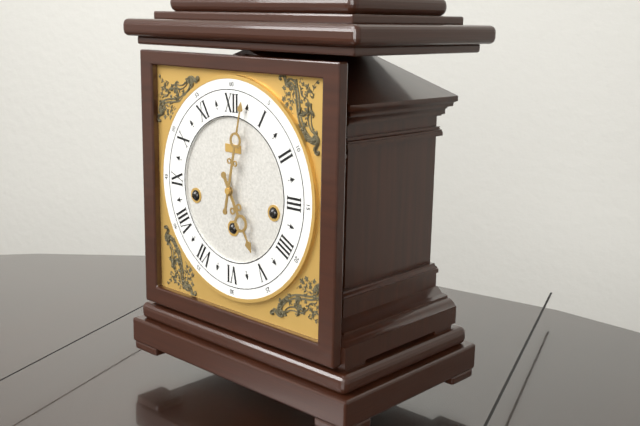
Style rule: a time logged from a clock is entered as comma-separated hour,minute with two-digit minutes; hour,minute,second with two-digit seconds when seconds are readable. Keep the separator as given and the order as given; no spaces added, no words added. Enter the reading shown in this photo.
5,02
